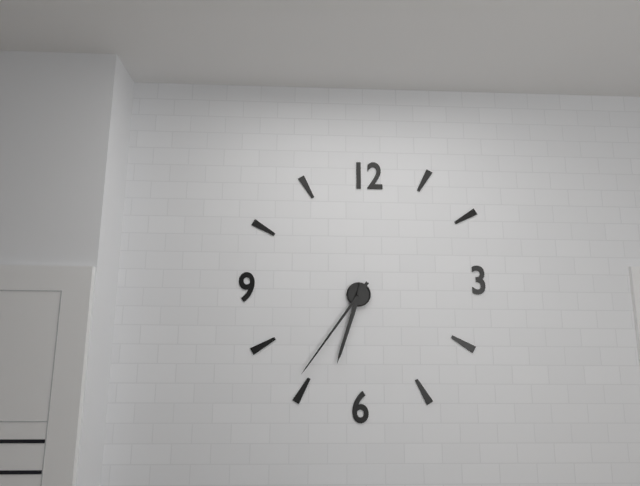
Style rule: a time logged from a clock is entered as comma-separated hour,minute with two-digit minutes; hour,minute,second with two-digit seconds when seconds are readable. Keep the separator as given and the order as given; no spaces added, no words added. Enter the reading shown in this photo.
6,36
